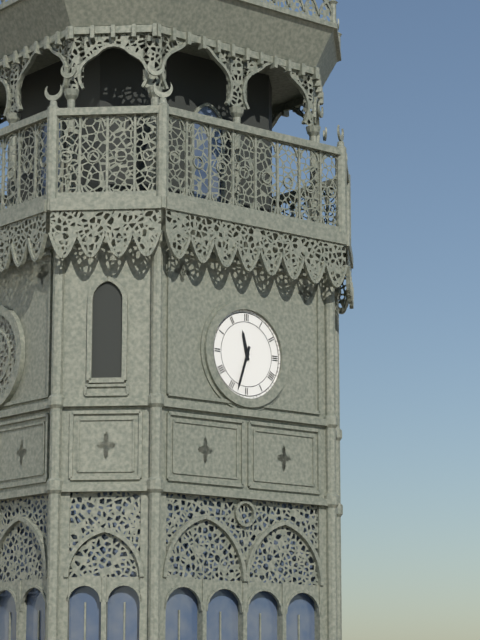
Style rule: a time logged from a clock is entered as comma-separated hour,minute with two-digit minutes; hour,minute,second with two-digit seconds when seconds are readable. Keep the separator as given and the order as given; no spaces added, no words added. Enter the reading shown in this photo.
11,33
